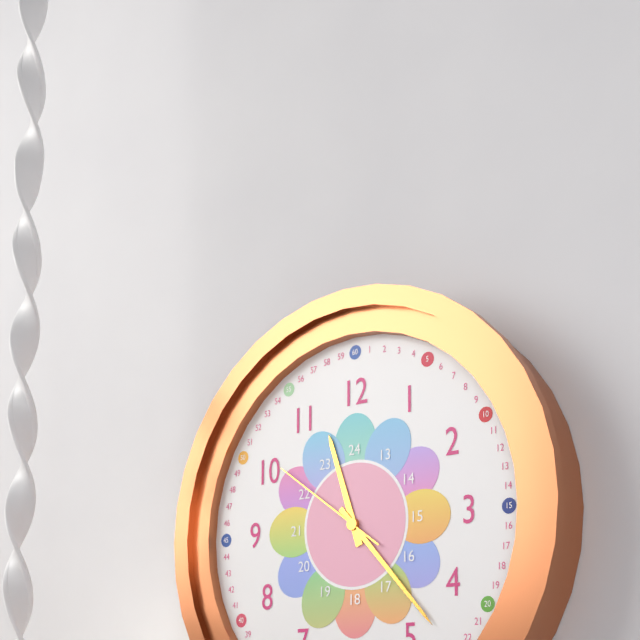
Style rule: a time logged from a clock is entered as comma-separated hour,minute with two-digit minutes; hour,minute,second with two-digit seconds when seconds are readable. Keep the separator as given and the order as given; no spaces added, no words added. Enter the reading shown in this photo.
11,23,51
